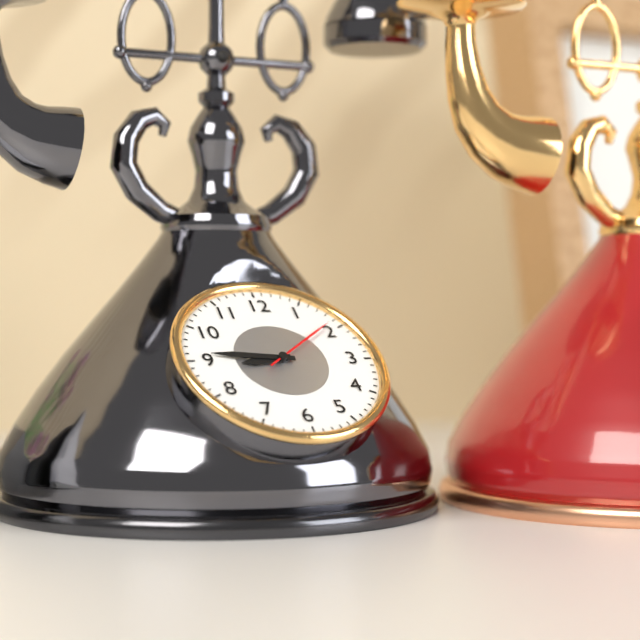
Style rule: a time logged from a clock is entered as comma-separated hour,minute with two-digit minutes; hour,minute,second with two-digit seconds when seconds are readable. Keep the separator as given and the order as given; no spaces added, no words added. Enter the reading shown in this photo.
8,46,09
